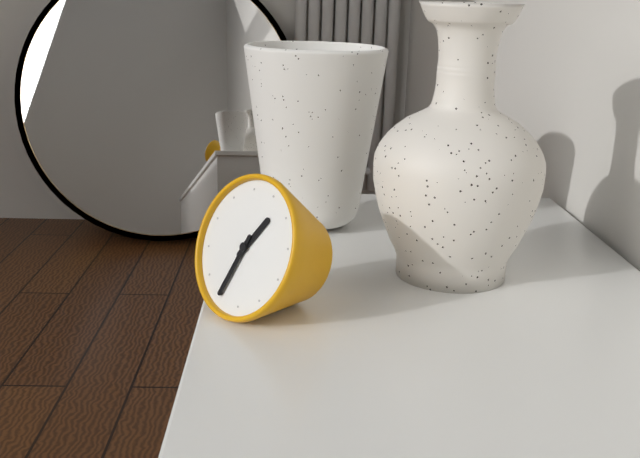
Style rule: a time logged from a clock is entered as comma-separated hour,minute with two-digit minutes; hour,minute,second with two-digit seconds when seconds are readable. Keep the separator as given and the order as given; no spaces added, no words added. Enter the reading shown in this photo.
12,30
